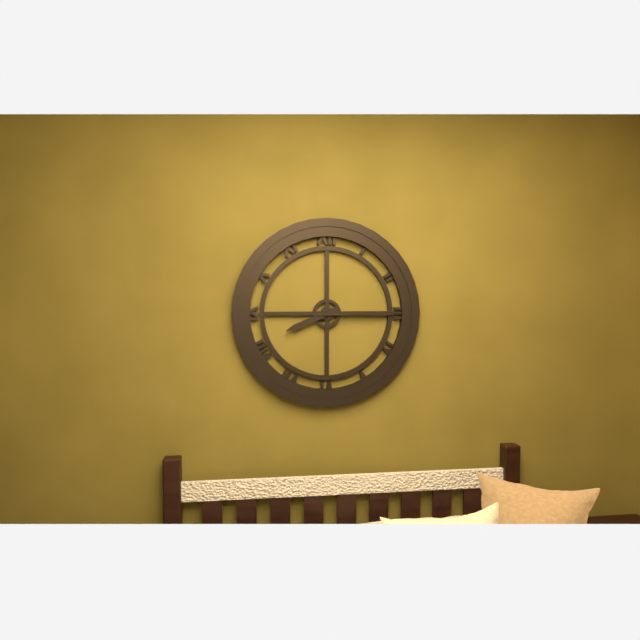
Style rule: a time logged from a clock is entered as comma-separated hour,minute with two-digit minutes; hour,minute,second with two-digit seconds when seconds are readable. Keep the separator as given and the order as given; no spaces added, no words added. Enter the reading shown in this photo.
8,15
